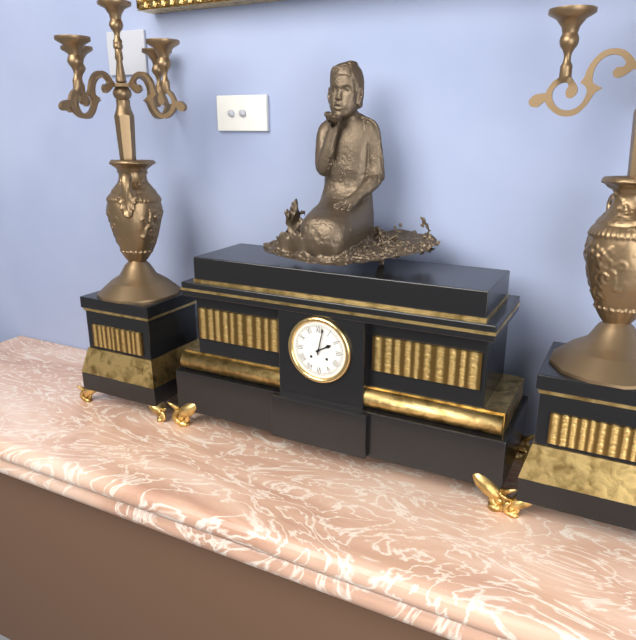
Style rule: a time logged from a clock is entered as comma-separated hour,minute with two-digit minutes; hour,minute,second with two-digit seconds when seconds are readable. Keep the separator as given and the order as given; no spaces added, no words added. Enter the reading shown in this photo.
2,02
